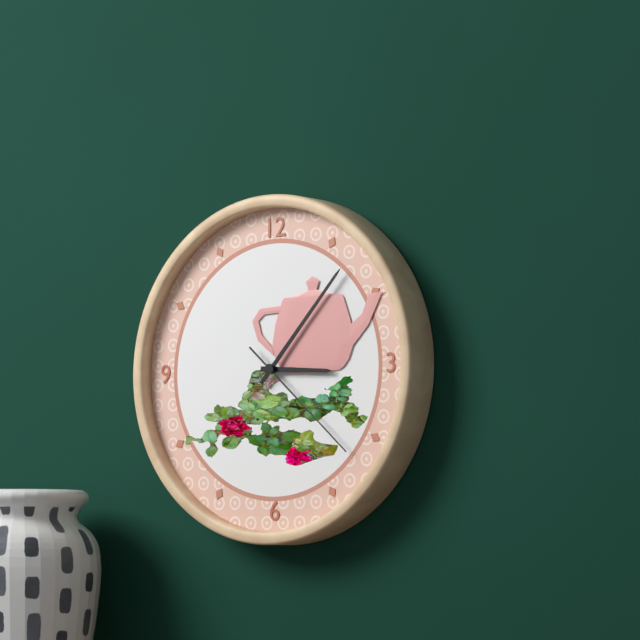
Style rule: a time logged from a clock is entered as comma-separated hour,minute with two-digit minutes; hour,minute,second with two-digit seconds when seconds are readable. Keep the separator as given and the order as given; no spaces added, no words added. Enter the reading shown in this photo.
3,07,22
